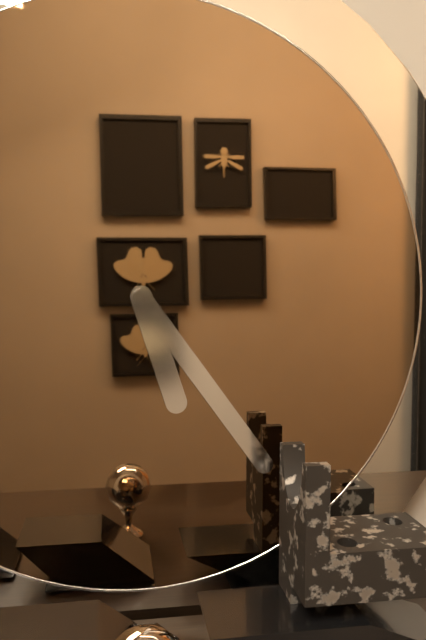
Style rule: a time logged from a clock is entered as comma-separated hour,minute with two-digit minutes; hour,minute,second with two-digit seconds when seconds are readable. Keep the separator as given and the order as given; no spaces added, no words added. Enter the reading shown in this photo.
5,24
